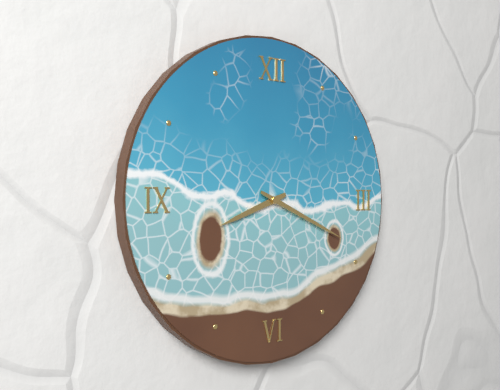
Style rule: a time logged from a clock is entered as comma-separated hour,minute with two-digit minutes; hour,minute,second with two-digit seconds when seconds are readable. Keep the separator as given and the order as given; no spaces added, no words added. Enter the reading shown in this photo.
8,19
